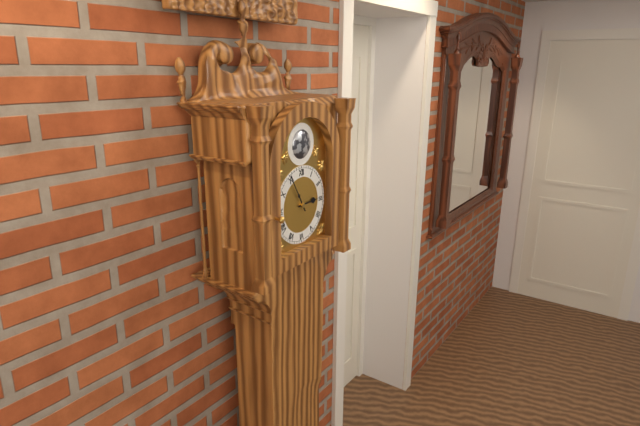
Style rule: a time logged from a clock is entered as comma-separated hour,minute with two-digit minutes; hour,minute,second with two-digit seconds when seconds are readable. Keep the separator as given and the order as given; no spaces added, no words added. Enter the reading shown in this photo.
2,55
